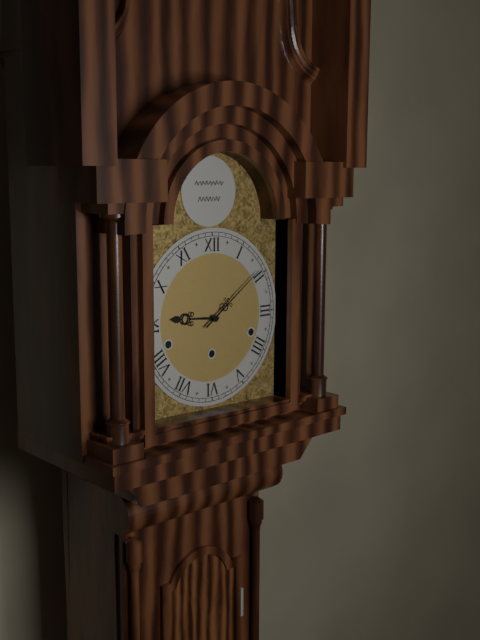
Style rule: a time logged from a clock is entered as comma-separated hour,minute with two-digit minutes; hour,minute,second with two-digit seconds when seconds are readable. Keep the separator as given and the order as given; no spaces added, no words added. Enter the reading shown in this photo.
9,09
